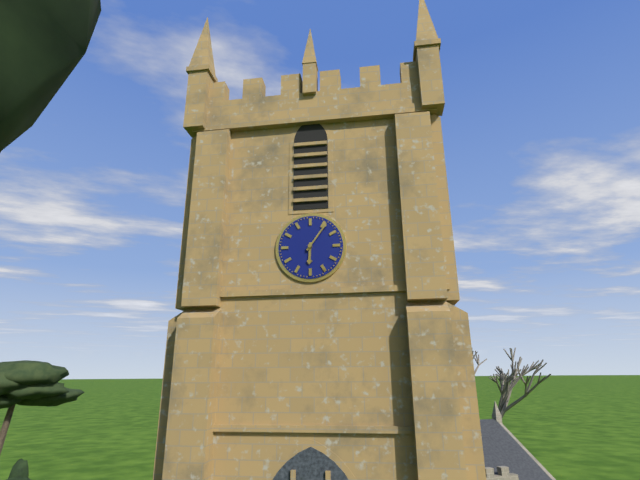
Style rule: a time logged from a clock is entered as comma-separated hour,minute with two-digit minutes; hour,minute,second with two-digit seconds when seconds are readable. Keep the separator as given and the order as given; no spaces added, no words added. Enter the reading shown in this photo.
6,06
